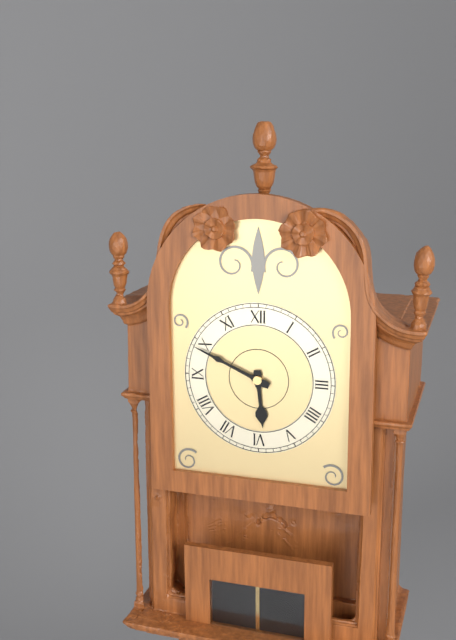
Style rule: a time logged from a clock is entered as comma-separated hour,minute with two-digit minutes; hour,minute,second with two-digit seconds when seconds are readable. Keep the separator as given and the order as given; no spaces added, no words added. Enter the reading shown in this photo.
5,49
